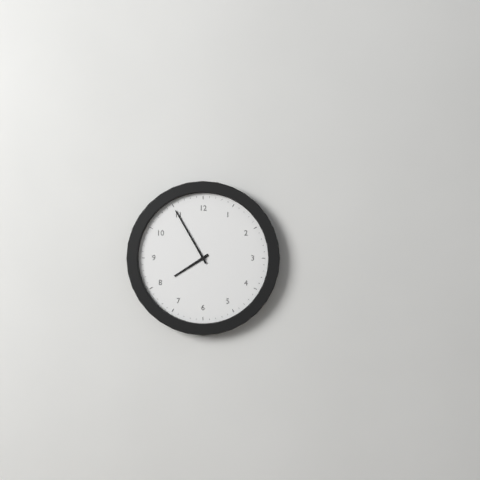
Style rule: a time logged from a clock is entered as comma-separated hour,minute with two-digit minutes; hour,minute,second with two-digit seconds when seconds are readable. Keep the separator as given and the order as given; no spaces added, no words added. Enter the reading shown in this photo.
7,55
